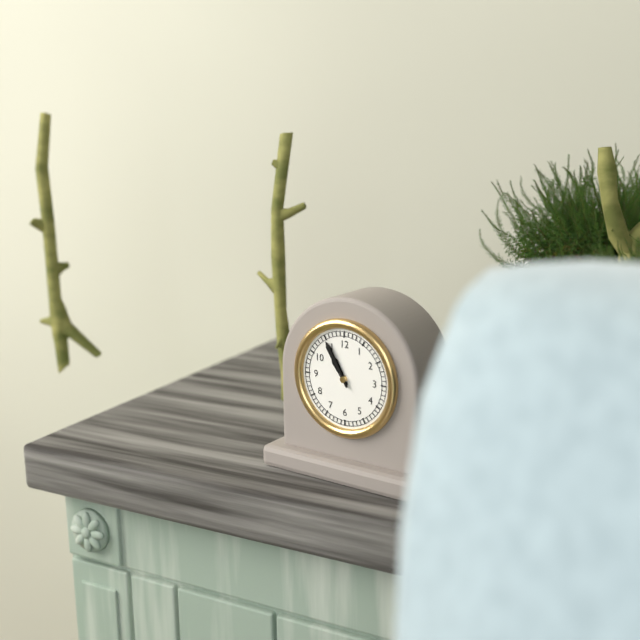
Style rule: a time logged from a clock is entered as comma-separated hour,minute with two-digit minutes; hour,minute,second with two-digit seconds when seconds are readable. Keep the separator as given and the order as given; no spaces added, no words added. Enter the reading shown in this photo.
10,55
